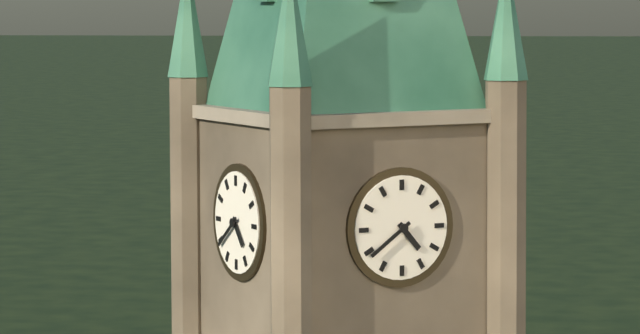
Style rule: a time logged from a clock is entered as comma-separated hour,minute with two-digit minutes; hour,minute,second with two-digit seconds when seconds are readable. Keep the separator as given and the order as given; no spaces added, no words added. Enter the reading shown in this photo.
4,39
